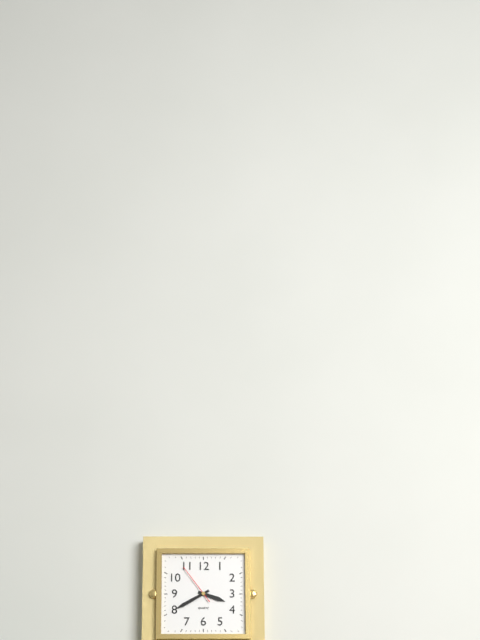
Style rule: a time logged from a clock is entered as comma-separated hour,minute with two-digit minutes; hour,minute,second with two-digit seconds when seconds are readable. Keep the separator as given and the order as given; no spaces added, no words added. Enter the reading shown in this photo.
3,40
